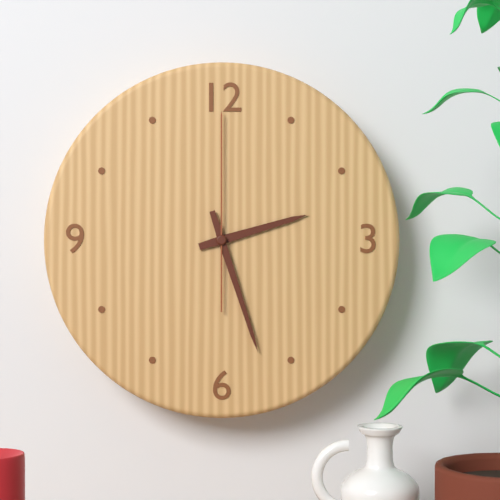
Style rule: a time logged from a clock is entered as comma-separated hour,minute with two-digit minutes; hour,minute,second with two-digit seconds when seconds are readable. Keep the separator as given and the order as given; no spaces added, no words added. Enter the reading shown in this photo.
2,27,00
